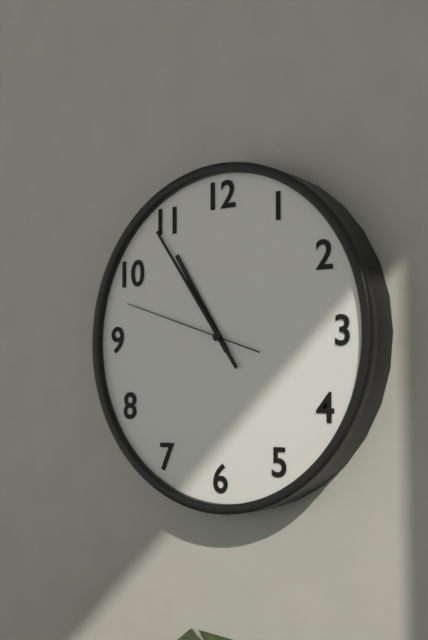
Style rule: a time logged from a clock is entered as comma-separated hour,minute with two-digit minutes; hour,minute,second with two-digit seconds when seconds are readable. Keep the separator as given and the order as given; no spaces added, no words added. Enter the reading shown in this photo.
10,54,48
